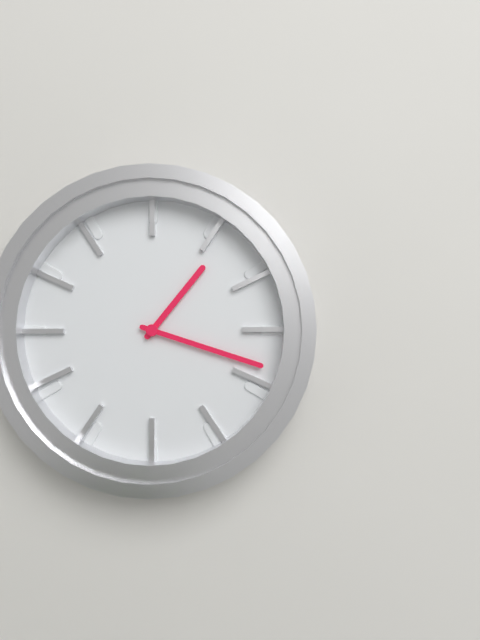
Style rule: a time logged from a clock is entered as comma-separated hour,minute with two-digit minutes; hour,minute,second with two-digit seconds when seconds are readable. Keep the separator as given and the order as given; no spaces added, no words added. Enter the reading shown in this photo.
1,18
